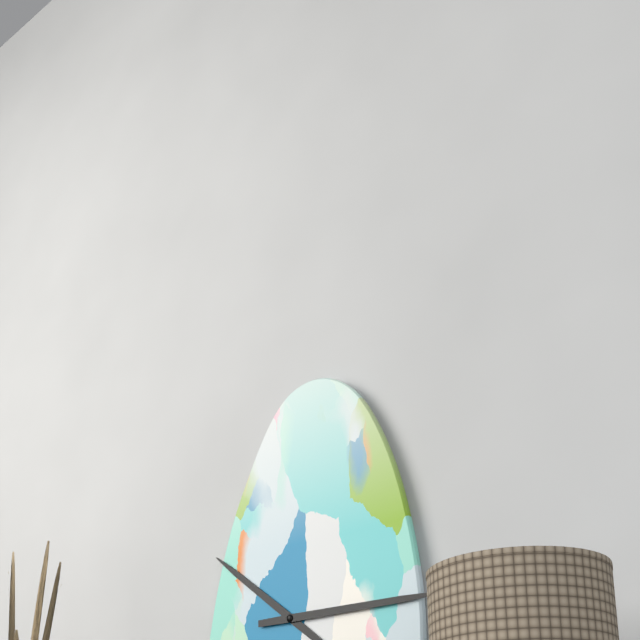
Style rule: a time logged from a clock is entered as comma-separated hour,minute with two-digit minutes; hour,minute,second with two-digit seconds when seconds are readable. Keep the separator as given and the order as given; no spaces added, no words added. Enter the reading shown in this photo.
10,15
